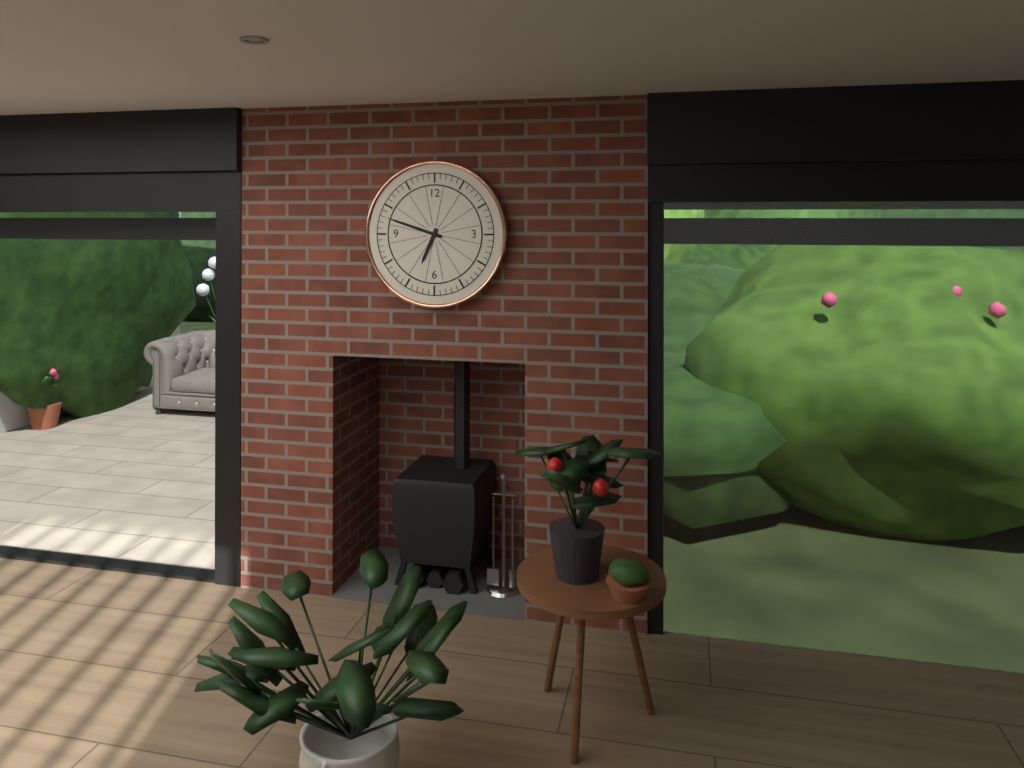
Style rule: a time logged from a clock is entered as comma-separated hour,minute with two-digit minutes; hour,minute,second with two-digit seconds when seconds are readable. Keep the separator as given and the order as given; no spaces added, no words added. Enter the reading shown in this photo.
6,48
